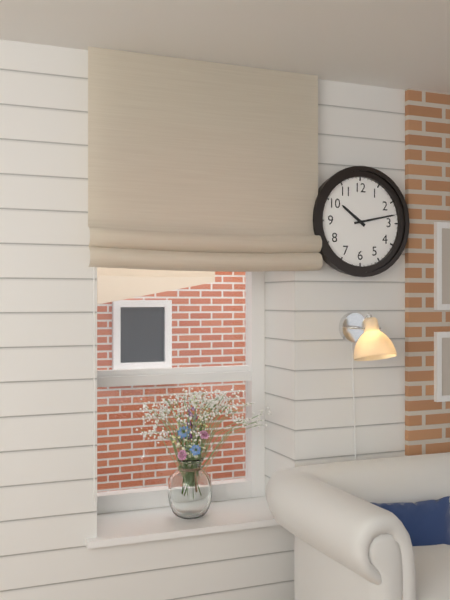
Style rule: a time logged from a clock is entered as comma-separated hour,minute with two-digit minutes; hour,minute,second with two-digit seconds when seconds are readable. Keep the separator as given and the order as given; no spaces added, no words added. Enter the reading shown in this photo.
10,13
